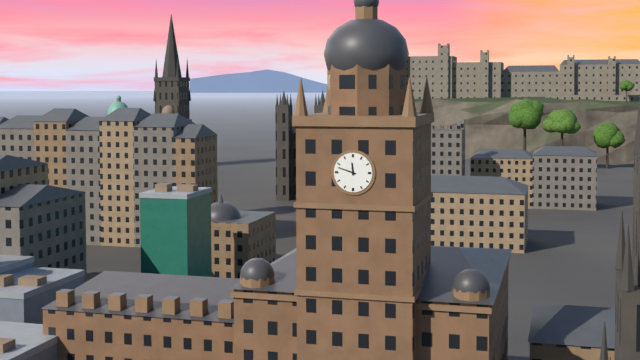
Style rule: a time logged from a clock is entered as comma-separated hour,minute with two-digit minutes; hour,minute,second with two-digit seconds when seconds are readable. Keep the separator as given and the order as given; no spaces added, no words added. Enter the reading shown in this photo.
11,48
